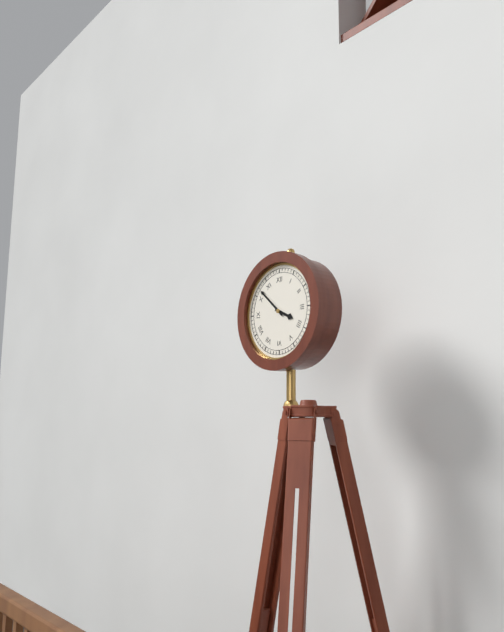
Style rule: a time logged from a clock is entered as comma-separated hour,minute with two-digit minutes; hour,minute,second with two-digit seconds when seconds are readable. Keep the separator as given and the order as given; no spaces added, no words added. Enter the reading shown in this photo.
3,52
